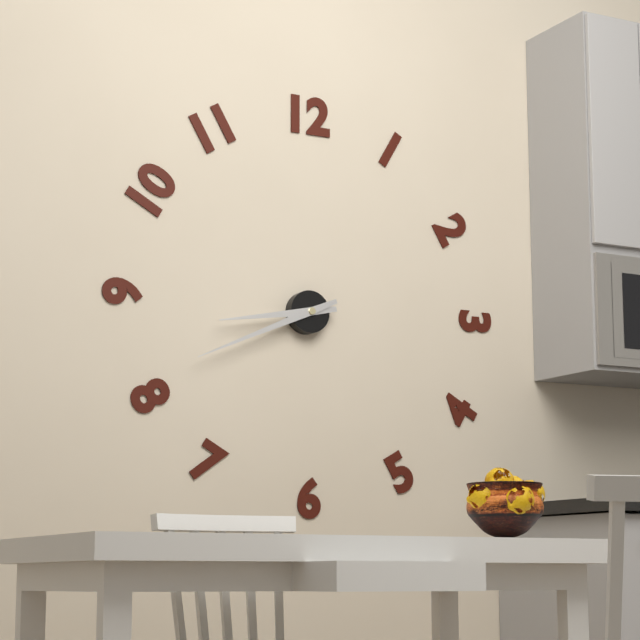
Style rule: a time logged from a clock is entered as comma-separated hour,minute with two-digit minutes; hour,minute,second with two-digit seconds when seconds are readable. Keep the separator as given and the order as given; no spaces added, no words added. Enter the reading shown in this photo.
8,41
